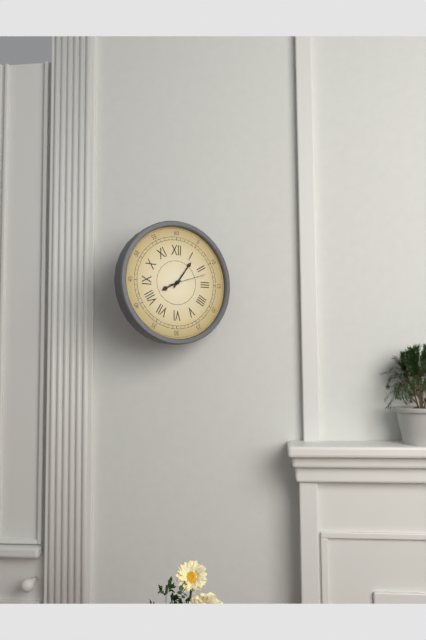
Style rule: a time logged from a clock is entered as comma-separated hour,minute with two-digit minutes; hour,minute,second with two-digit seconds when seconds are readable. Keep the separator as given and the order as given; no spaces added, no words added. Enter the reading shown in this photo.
8,06
